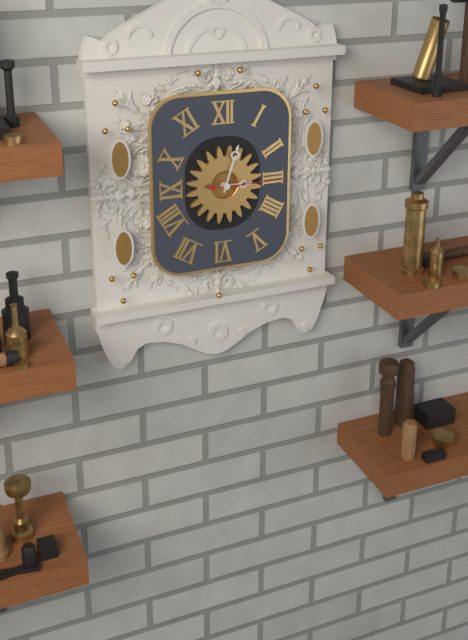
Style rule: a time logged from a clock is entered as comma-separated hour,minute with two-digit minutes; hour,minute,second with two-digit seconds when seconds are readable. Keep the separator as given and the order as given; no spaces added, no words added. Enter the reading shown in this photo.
3,03,15
